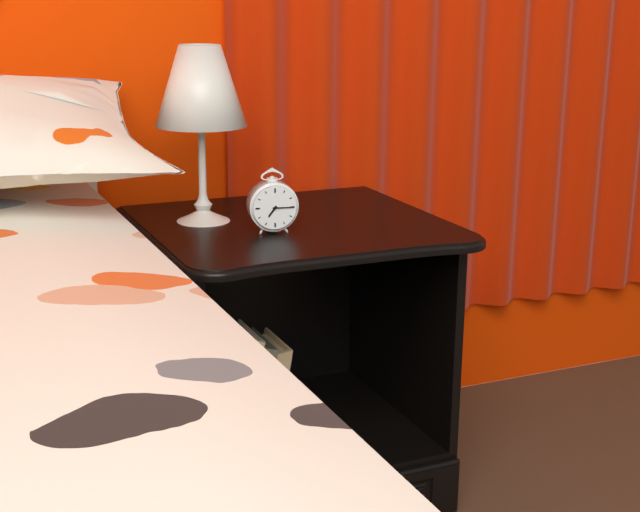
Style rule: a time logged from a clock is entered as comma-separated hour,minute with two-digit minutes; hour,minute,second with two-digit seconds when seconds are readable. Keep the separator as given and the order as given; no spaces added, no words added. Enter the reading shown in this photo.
7,15
